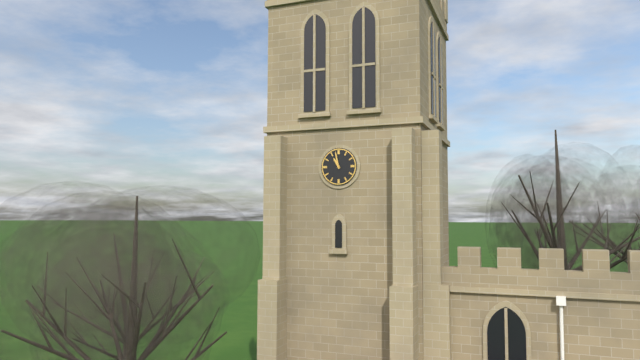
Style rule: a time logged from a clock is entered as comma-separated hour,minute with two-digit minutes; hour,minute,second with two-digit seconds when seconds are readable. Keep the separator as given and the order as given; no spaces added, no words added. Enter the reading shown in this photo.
10,58
